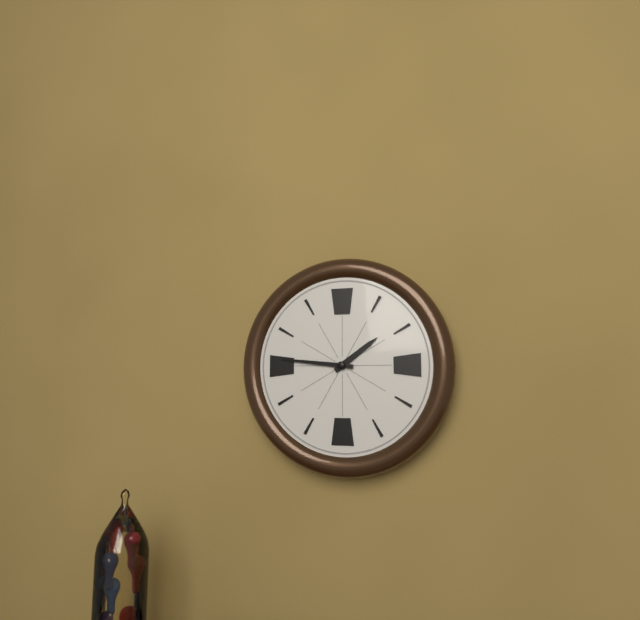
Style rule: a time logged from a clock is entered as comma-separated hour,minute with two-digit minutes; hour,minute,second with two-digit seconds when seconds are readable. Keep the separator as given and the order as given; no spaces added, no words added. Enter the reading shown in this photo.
1,46
